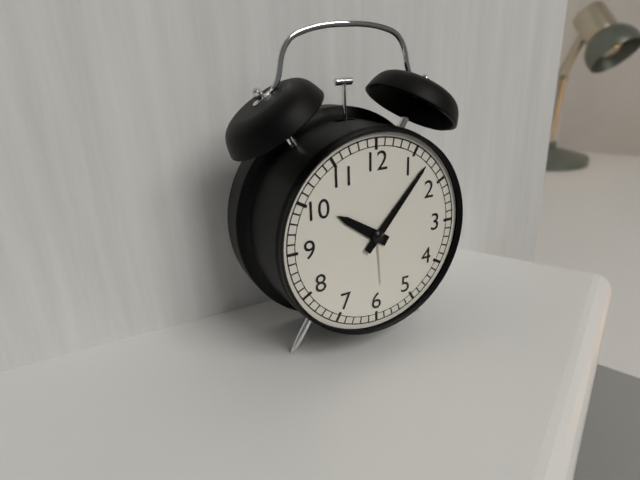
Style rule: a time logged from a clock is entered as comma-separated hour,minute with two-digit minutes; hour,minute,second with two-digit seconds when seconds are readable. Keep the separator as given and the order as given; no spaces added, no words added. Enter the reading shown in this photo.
10,07
